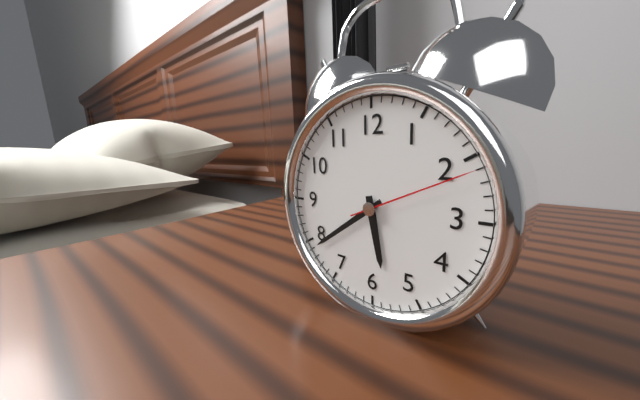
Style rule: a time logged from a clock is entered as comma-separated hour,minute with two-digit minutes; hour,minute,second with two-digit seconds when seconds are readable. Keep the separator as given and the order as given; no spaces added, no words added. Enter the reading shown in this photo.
5,39,11
